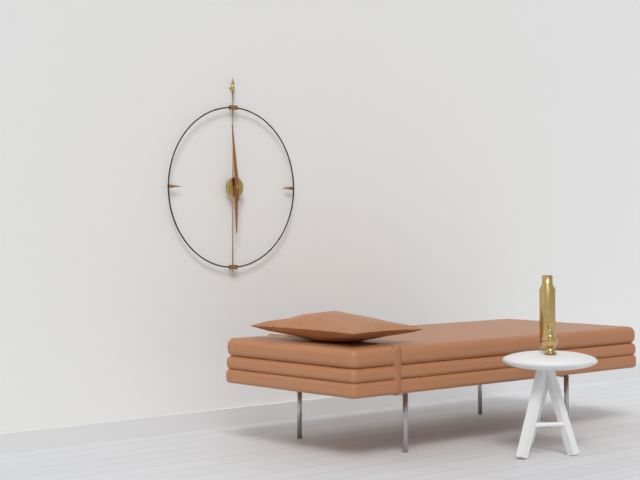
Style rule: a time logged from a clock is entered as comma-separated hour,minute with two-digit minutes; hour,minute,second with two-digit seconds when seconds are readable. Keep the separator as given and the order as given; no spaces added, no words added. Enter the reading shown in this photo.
5,59
